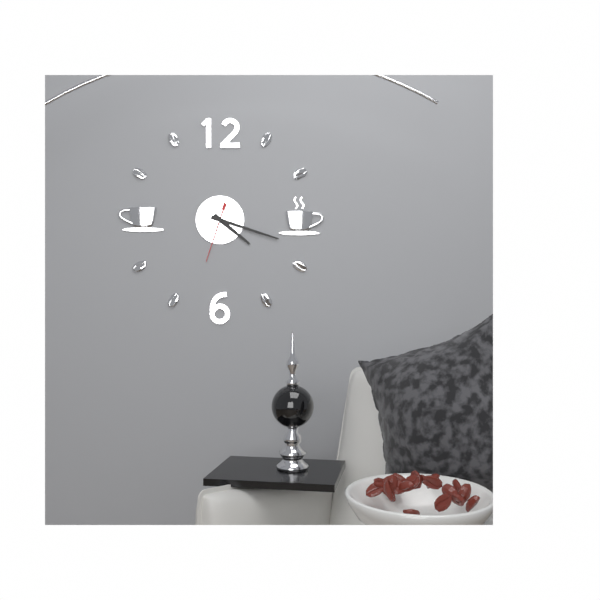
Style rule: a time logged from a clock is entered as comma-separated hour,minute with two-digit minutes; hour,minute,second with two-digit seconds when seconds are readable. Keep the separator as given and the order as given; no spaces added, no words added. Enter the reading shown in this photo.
4,18,33
